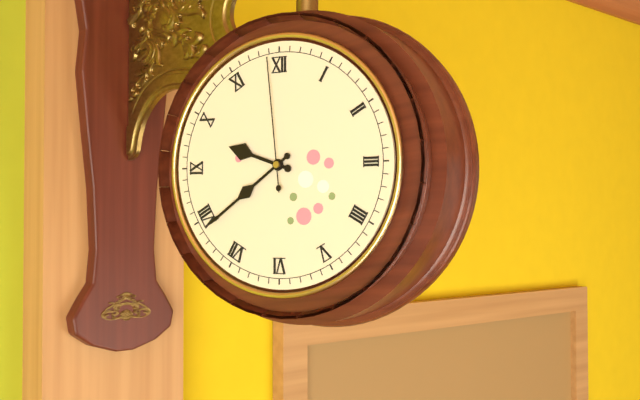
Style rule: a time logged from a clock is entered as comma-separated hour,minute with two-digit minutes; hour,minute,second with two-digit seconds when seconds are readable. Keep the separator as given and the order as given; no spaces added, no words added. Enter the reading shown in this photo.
9,39,59
